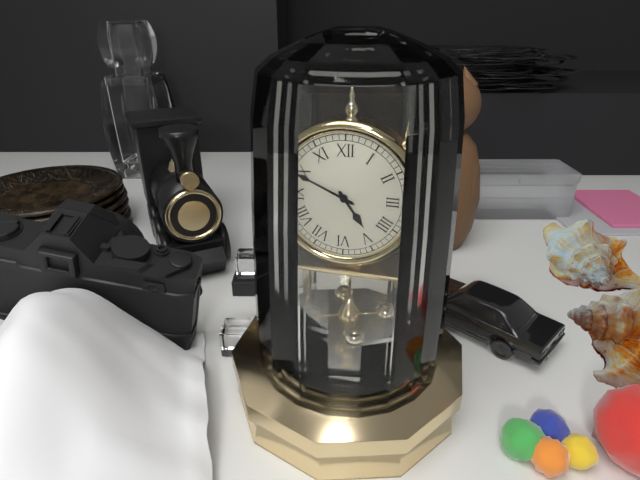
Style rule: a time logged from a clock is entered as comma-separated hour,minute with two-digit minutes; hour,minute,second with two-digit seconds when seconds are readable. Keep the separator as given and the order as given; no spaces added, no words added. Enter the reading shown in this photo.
4,49
